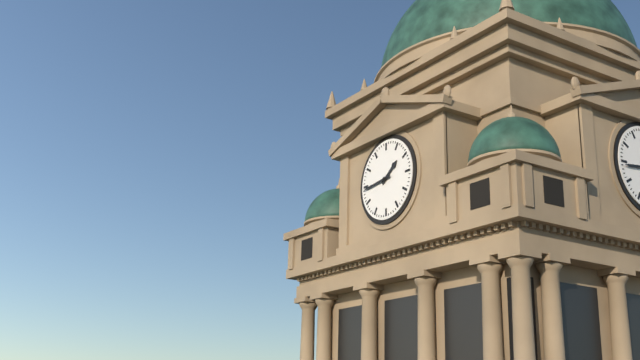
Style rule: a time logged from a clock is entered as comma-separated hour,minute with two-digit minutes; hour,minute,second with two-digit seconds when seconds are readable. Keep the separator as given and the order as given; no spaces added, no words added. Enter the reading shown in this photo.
1,44
